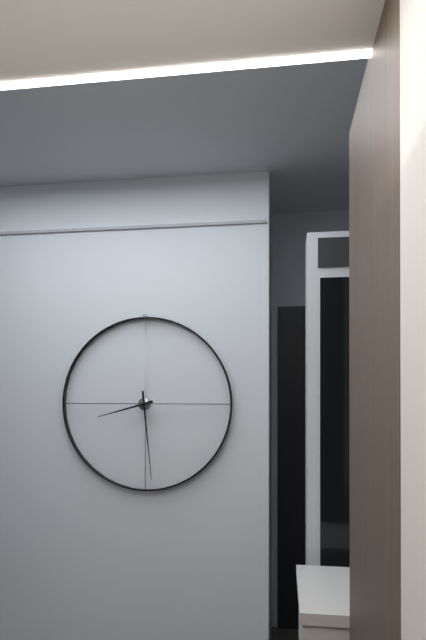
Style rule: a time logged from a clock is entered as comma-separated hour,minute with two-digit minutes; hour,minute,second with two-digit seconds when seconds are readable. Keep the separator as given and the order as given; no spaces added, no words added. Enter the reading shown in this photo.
8,29
